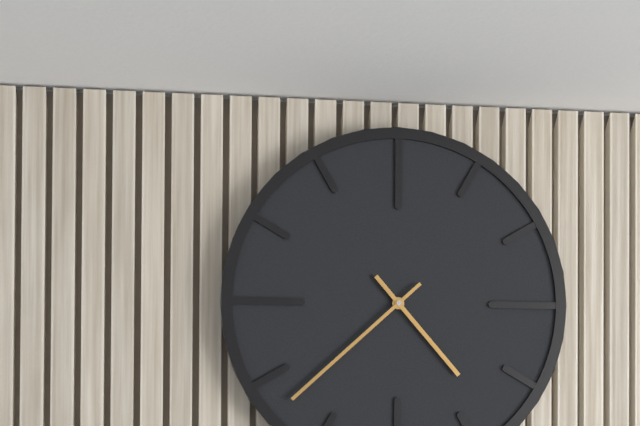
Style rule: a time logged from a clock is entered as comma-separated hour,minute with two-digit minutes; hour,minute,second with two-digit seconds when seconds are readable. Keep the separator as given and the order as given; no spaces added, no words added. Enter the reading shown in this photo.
4,38
